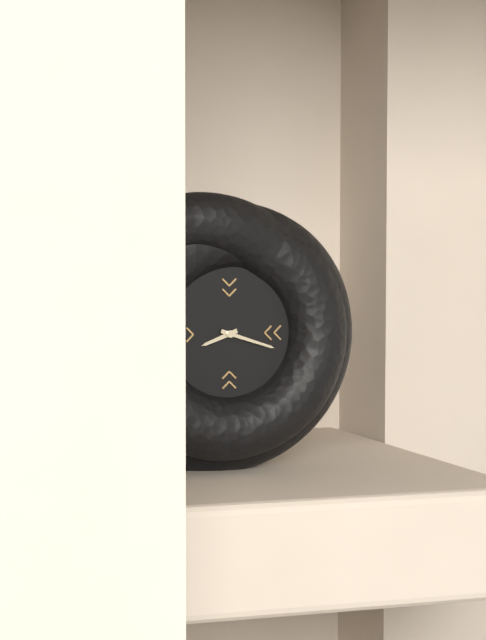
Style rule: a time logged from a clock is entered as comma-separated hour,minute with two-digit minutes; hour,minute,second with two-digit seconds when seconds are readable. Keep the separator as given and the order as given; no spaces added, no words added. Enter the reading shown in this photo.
8,18
